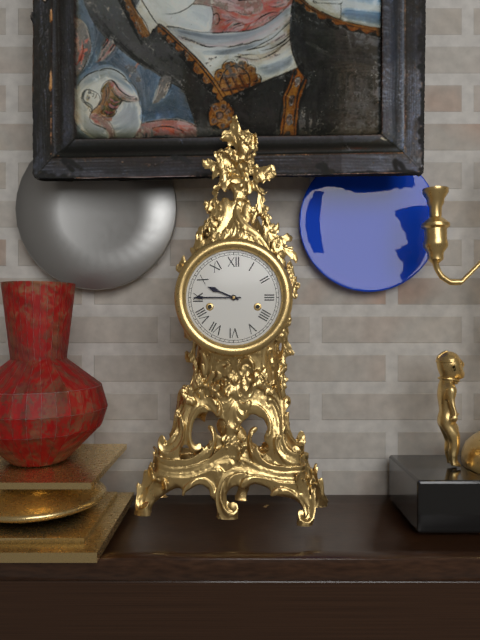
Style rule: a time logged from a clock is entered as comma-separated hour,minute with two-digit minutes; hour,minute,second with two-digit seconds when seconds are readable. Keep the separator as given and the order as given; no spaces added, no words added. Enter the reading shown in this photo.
9,45
